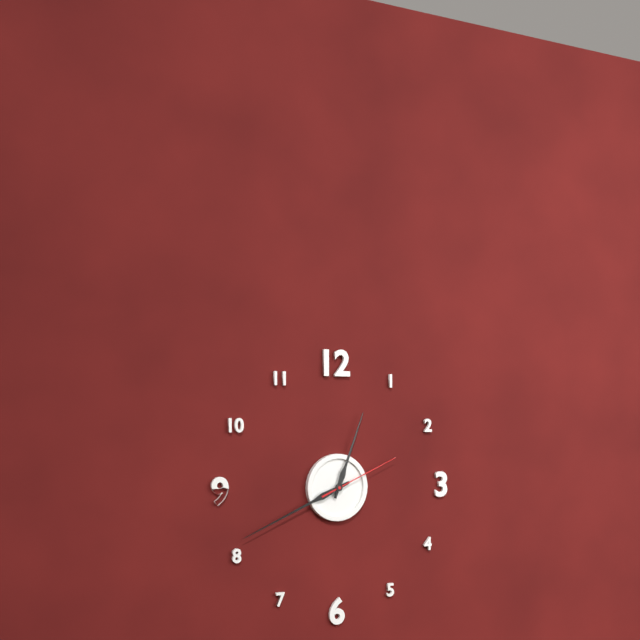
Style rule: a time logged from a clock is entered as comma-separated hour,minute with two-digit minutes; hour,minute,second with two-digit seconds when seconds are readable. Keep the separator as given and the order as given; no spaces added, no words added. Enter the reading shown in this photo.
12,41,11
